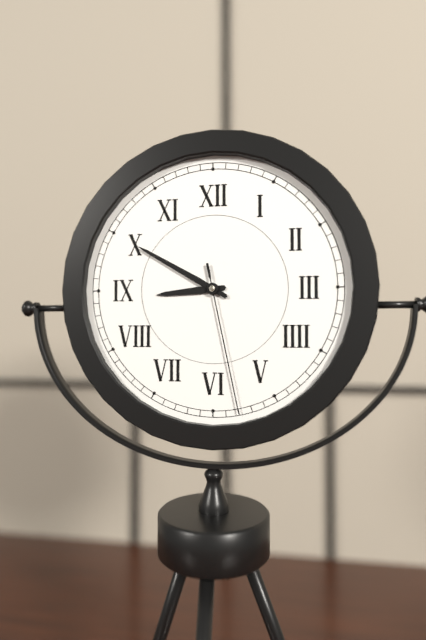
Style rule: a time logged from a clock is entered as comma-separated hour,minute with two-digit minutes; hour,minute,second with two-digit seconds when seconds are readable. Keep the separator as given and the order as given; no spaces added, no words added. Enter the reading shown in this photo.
8,50,28
